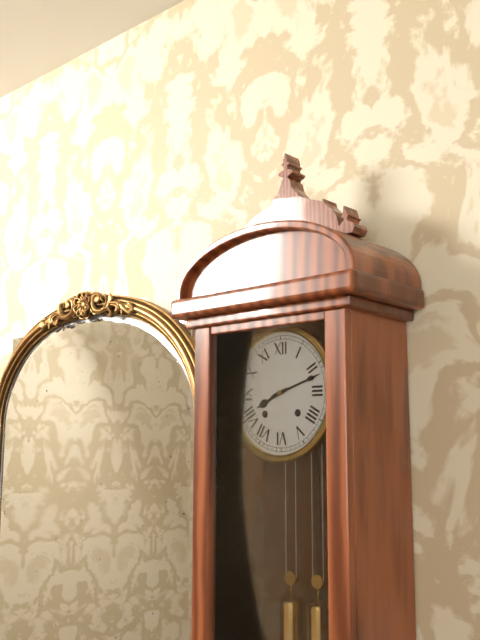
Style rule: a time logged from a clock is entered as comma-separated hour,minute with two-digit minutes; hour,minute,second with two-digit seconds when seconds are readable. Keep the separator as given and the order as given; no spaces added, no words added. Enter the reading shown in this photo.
8,12
